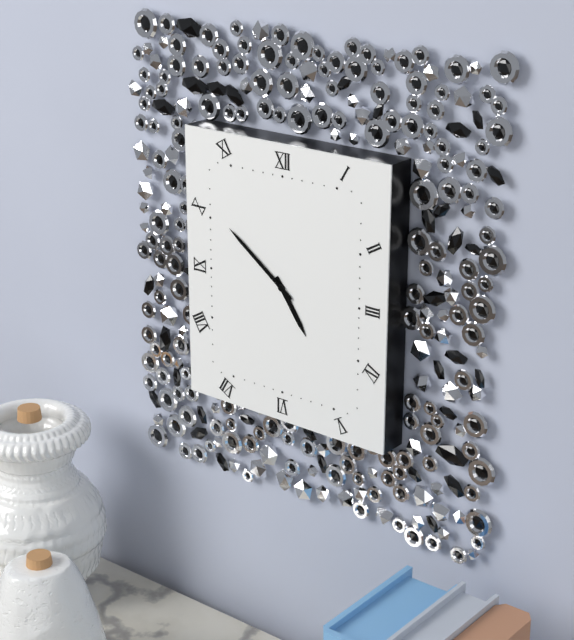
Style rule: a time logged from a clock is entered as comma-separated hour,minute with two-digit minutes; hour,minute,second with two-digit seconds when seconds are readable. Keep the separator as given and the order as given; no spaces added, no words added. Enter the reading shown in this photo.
4,51
